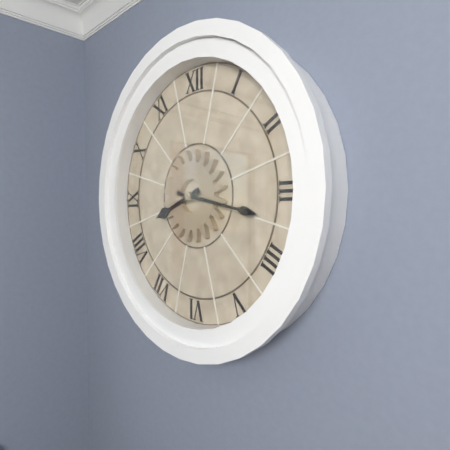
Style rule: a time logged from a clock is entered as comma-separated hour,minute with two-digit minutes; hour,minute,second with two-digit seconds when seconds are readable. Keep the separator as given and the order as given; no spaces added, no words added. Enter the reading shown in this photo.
8,17
